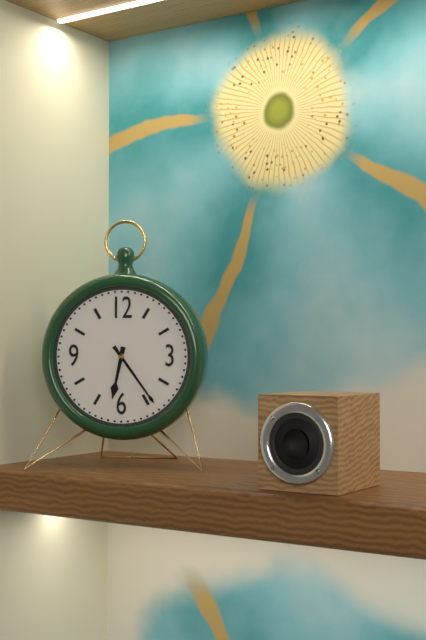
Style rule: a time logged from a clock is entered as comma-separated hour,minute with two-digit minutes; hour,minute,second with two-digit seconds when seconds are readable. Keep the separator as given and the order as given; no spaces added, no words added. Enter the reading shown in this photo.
6,24
